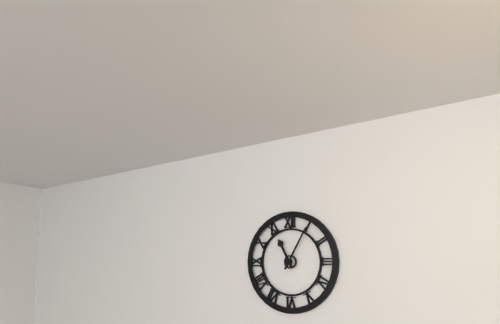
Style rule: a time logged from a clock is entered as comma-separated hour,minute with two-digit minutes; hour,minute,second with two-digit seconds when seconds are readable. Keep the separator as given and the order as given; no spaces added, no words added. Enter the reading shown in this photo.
11,05
